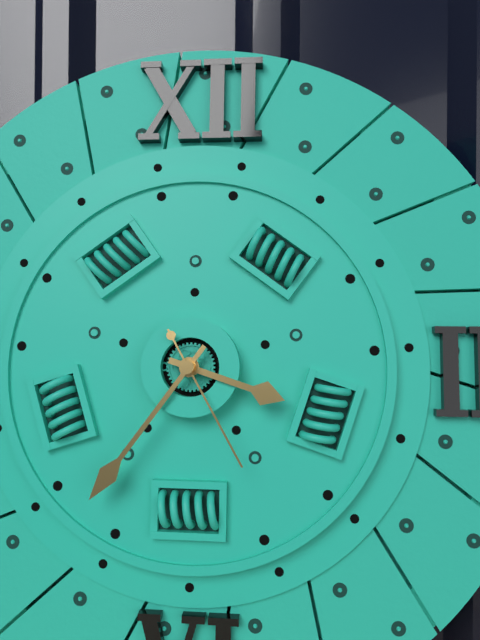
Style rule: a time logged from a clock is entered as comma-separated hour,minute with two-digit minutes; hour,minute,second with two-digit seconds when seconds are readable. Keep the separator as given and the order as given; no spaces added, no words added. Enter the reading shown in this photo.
3,36,25
